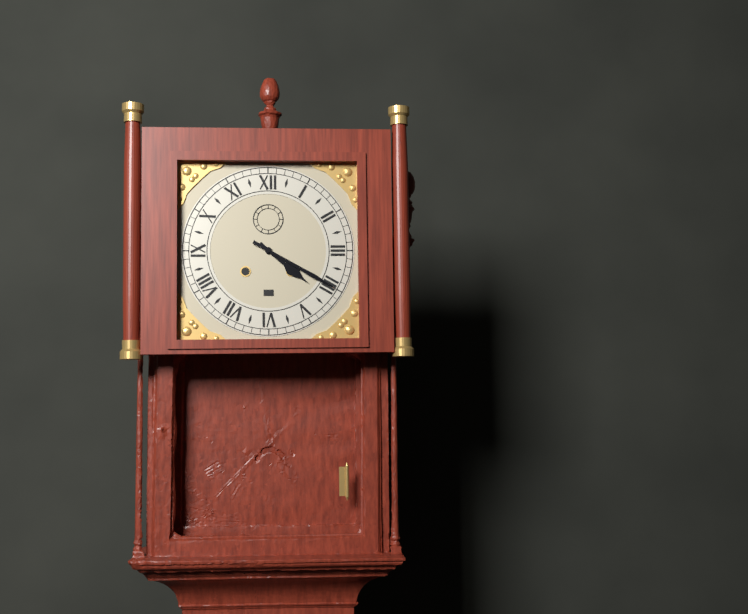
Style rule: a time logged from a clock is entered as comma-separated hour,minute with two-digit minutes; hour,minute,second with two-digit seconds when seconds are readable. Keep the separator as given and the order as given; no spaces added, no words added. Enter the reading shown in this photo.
4,20
